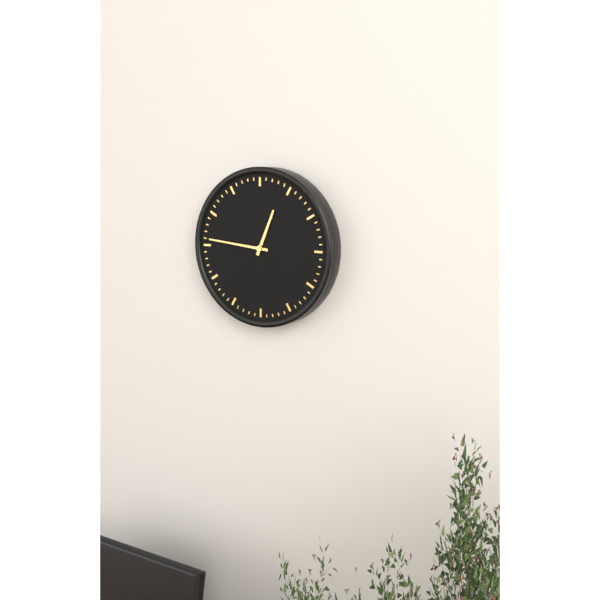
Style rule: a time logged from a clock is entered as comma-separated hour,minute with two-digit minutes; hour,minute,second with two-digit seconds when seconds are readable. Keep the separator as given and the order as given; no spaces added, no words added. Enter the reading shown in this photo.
12,46
